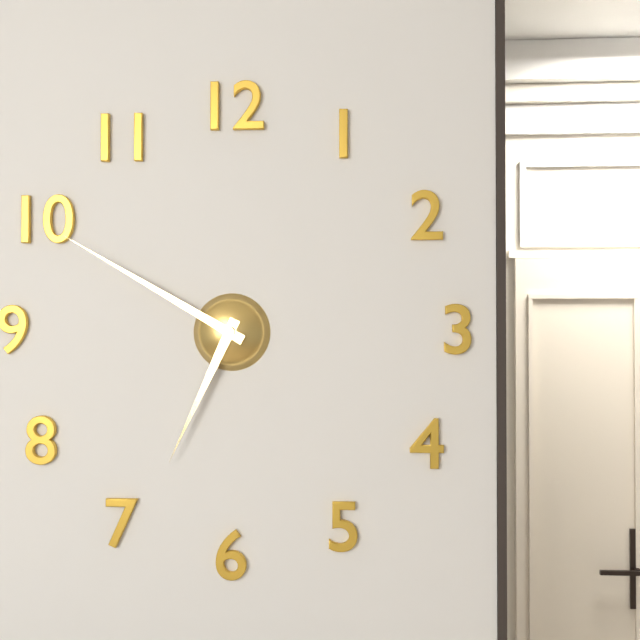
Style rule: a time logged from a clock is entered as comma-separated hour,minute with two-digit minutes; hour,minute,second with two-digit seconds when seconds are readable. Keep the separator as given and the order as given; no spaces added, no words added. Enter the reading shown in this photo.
6,50
